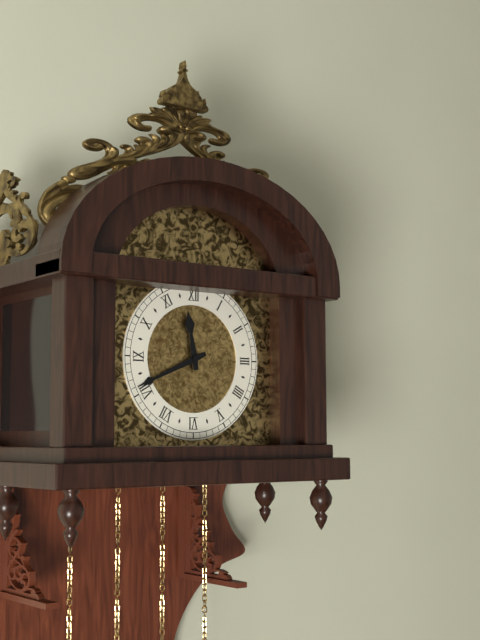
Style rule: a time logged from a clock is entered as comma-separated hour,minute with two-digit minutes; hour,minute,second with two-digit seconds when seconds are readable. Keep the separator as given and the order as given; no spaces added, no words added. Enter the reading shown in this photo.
11,41
